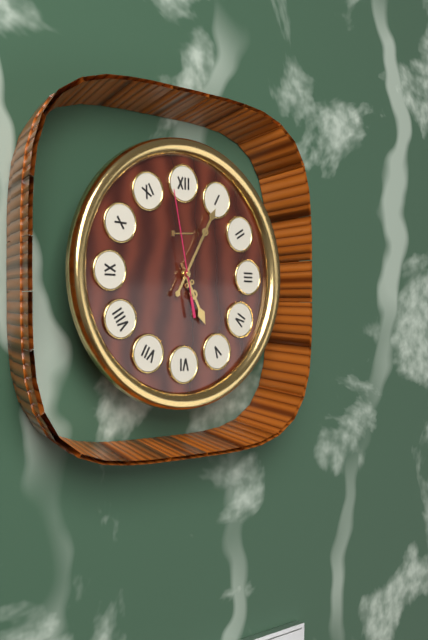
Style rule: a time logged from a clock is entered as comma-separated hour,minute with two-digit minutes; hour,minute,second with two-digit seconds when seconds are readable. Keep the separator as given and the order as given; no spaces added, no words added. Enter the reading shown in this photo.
5,05,58
